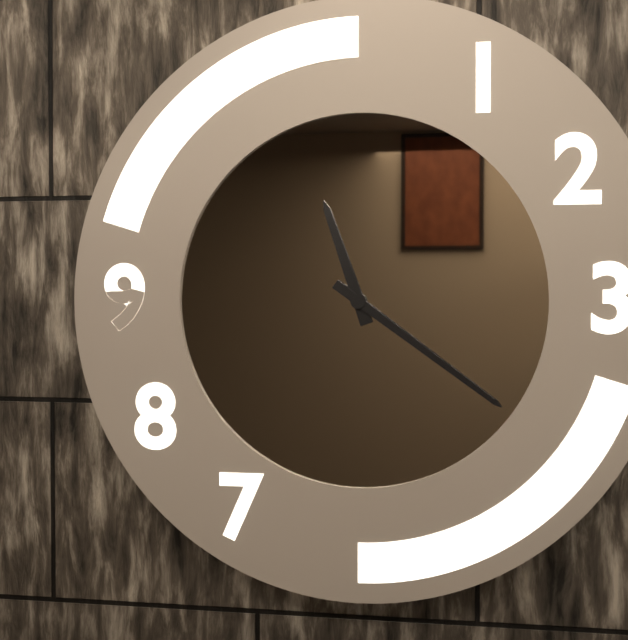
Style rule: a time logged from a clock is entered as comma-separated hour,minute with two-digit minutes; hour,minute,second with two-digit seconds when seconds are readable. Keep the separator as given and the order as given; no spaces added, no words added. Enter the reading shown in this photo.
11,21
